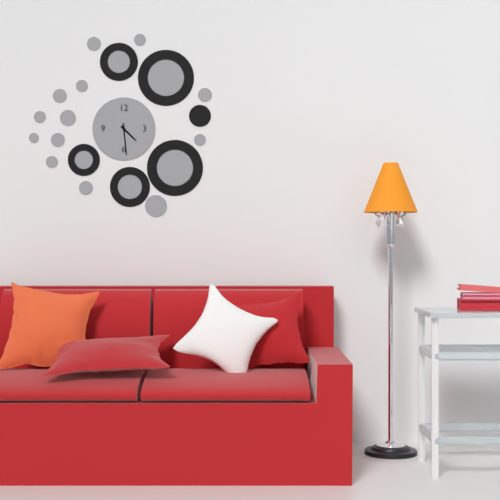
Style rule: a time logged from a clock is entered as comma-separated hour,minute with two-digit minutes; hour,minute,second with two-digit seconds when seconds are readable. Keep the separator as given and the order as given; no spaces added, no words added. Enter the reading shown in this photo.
4,29
